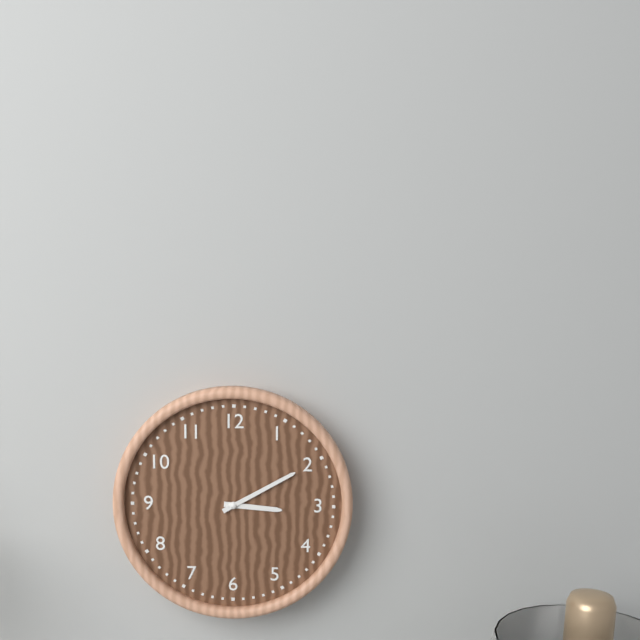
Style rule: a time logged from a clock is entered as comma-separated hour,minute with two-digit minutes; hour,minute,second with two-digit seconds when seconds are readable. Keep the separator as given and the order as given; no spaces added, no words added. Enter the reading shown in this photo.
3,10
